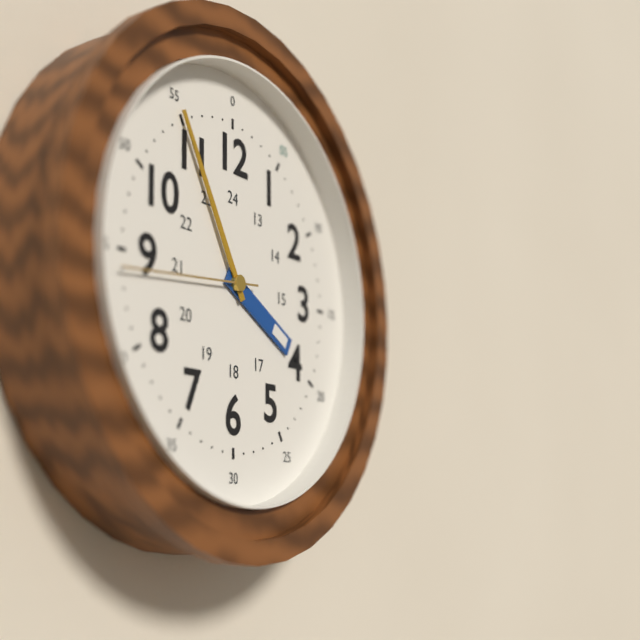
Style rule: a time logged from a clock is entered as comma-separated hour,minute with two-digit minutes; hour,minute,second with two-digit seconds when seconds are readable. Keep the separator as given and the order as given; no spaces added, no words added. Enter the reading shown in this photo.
3,55,44
